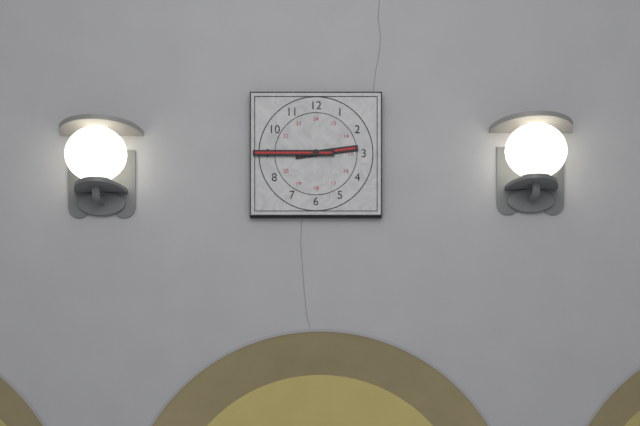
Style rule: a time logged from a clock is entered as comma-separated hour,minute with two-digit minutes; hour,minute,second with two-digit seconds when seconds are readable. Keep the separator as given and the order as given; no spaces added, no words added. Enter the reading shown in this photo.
2,45
